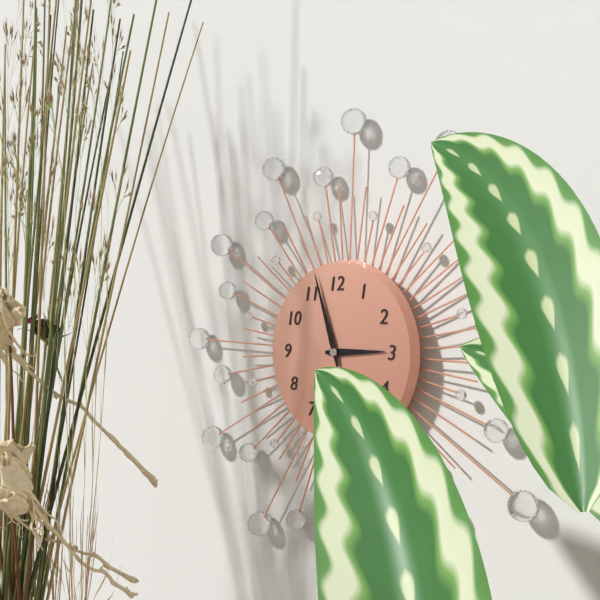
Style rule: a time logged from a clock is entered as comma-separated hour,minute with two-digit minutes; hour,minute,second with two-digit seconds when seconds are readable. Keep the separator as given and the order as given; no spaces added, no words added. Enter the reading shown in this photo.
2,57
